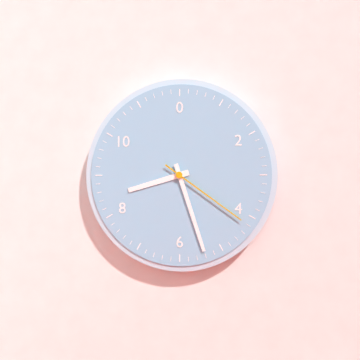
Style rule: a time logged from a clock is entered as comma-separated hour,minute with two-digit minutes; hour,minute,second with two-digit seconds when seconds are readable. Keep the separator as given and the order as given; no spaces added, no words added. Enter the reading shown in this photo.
8,27,21
